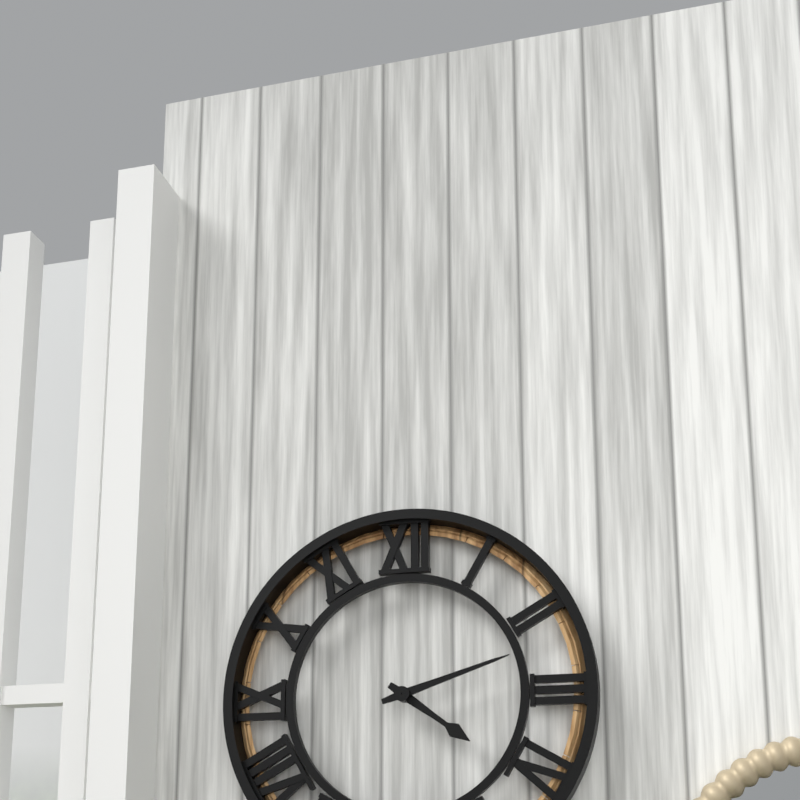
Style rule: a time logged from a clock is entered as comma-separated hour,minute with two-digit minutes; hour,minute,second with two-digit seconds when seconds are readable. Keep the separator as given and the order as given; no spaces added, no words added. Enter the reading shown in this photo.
4,12
